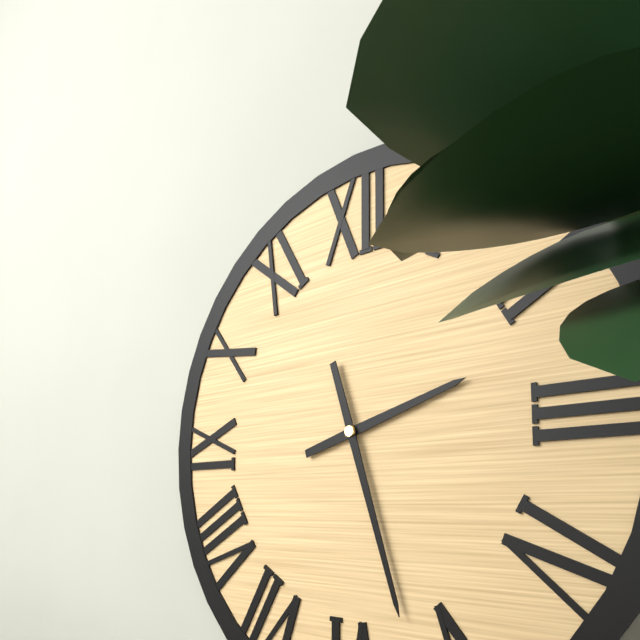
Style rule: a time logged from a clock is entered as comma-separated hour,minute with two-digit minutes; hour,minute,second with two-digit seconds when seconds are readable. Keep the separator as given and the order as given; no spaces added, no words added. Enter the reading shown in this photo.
2,27
